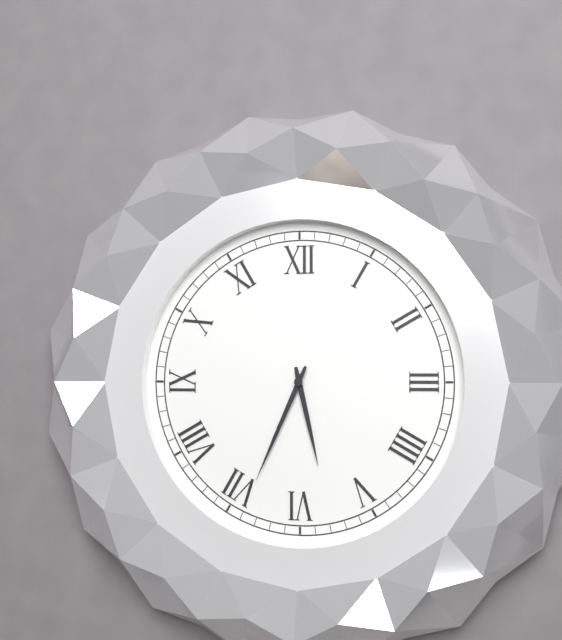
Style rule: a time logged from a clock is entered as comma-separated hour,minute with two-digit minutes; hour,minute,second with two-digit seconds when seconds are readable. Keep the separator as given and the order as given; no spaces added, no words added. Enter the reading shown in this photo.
5,34
